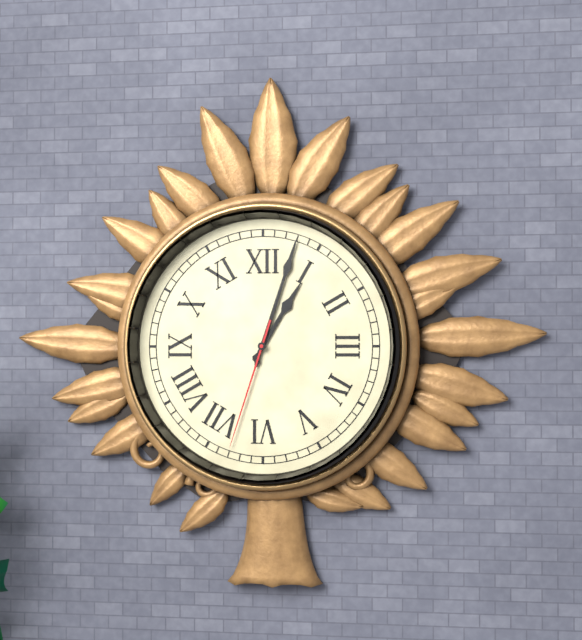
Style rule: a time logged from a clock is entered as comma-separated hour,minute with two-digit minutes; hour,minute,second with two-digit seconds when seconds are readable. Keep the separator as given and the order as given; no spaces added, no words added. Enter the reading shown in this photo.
1,03,33
